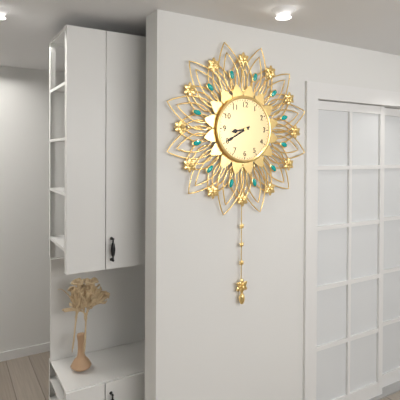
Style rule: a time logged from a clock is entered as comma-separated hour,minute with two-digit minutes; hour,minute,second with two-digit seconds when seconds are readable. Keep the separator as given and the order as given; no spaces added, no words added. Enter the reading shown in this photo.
8,40
